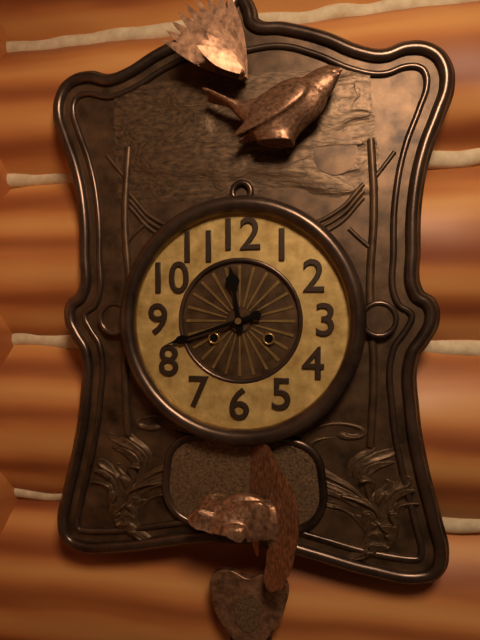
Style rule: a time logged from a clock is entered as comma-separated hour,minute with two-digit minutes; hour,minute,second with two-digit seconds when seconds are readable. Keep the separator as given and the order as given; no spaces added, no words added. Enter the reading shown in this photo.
11,42
